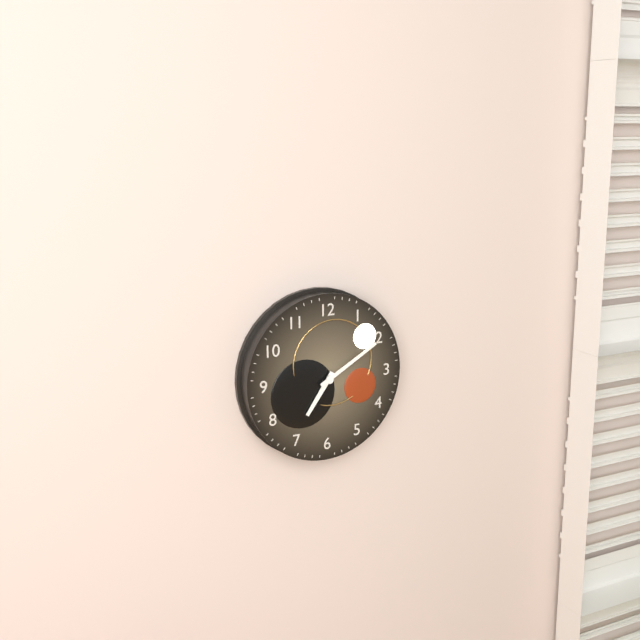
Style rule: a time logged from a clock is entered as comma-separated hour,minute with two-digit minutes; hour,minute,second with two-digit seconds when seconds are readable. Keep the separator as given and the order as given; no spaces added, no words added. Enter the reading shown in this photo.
7,10
